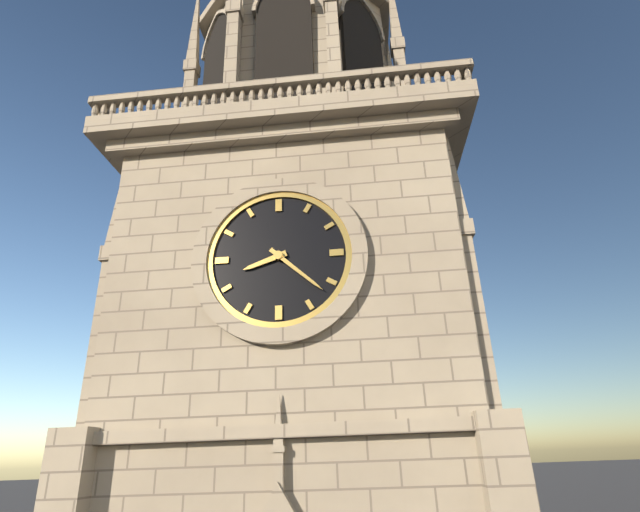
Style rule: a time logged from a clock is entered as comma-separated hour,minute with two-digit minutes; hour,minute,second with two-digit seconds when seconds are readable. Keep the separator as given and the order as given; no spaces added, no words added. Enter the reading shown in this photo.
8,22
